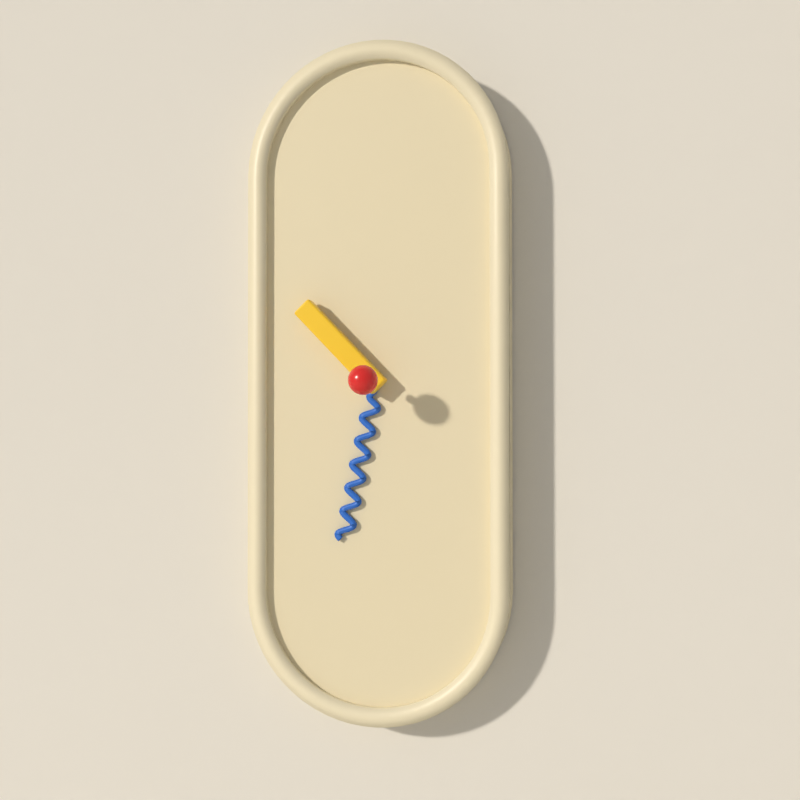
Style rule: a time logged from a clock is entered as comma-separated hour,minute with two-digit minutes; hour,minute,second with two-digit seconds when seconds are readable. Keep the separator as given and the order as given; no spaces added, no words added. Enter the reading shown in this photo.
10,32
